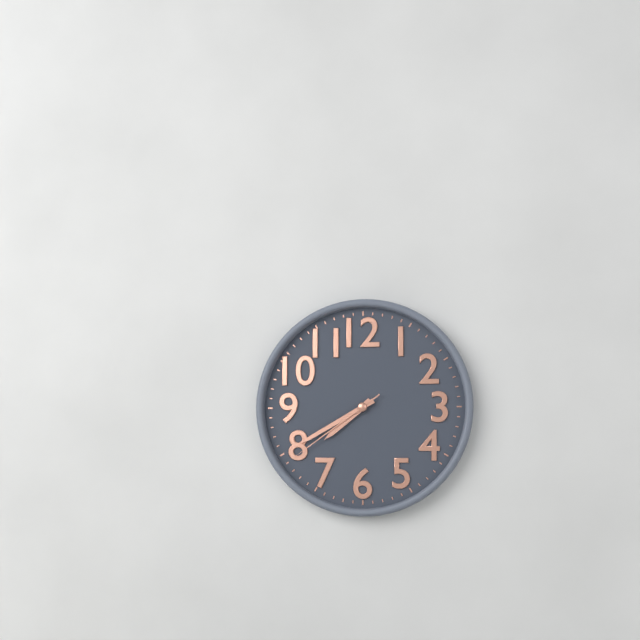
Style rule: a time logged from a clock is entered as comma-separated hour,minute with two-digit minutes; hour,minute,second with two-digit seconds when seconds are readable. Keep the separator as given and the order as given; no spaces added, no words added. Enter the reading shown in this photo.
7,40,39
